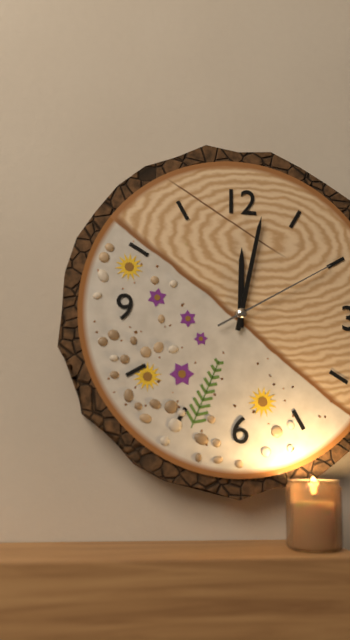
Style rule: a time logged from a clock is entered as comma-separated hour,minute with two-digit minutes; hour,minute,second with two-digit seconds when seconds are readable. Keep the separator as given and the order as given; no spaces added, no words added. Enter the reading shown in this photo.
12,02,10
